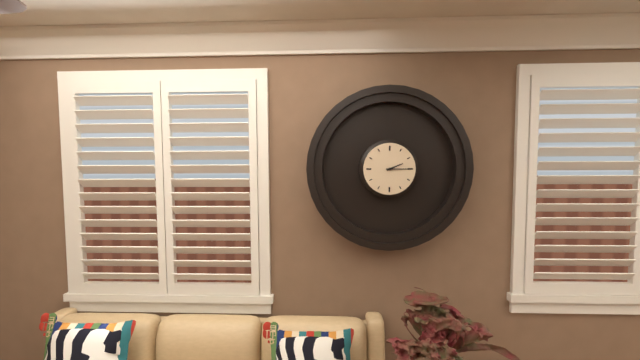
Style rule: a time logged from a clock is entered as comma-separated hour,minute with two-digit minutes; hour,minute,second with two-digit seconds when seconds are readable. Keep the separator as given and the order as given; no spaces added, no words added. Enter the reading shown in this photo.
2,15
